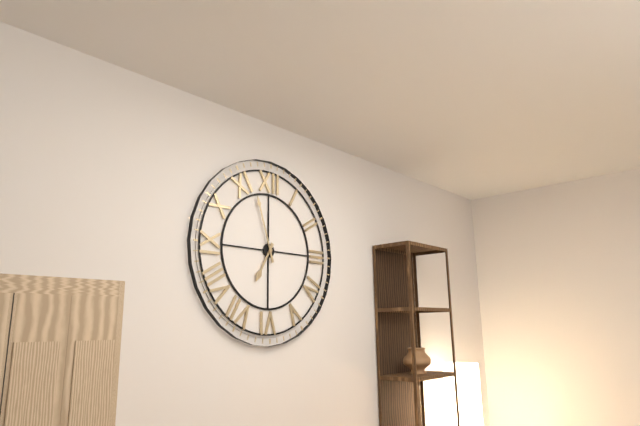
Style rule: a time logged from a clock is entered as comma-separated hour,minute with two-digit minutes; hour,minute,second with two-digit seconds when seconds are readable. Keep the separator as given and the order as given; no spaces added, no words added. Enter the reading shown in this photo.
6,57
